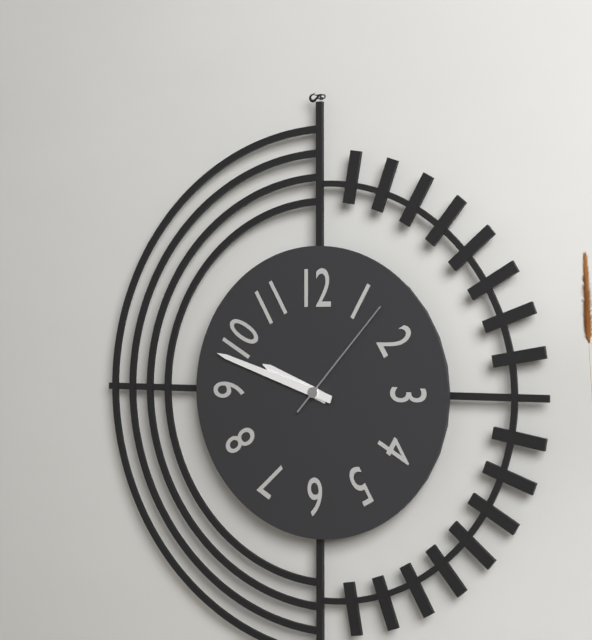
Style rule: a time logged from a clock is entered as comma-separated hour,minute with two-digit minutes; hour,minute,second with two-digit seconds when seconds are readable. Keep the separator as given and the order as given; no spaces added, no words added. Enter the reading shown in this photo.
9,48,07
